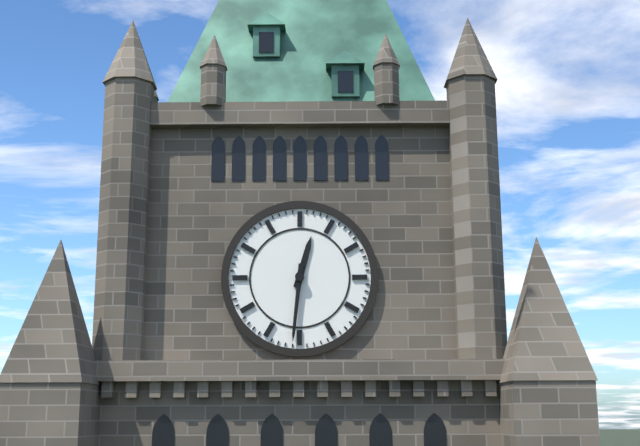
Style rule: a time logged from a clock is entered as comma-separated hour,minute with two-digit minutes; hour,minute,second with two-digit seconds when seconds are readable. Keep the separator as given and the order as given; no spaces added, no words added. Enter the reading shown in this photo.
12,31
